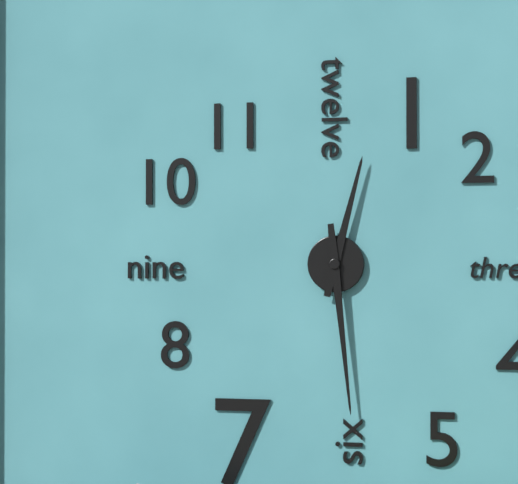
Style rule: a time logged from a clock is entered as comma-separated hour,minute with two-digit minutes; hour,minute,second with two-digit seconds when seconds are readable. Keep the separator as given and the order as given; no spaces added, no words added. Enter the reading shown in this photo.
12,29
